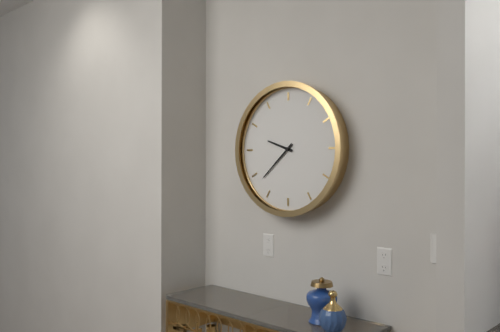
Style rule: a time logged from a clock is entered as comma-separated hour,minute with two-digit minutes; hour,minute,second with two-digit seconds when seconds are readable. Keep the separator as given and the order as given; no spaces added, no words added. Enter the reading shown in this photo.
9,38
